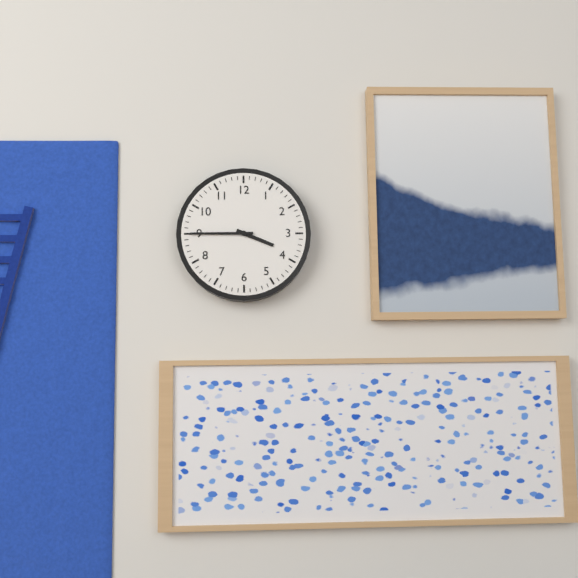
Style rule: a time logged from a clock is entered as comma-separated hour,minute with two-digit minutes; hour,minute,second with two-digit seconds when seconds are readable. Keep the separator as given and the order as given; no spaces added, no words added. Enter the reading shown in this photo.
3,45
